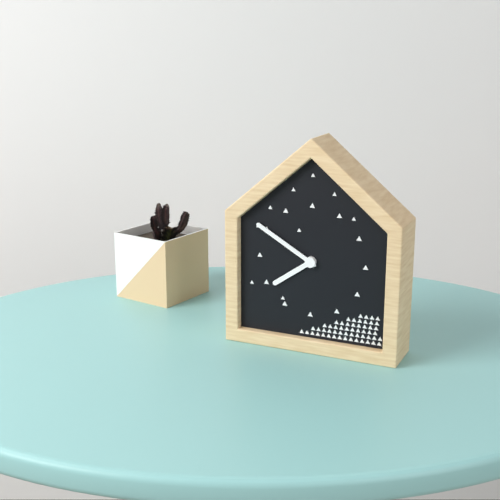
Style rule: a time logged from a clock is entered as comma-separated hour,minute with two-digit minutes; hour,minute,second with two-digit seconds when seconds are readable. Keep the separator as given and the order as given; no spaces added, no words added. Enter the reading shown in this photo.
7,50
